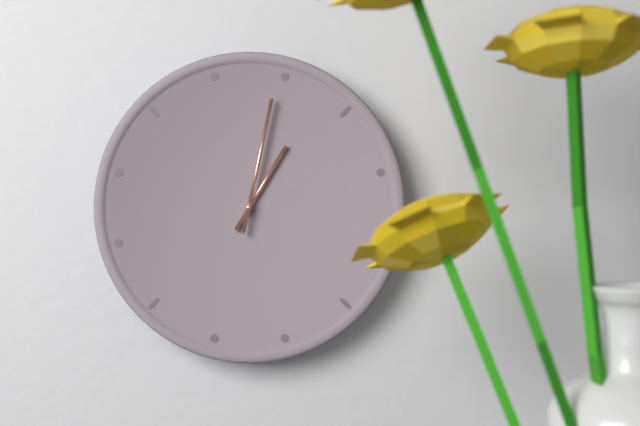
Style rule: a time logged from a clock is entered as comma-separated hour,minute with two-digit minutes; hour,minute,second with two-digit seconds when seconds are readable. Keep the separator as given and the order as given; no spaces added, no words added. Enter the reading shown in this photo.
1,02
